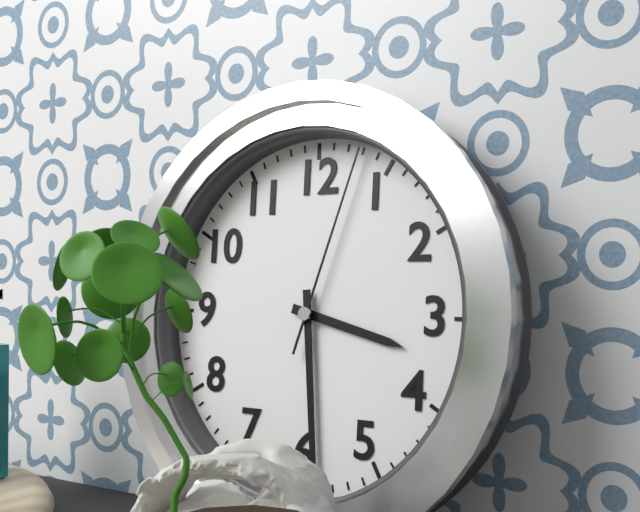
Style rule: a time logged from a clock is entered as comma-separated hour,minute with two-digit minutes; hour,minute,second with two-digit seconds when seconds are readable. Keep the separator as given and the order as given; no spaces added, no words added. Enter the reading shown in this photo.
3,29,03
